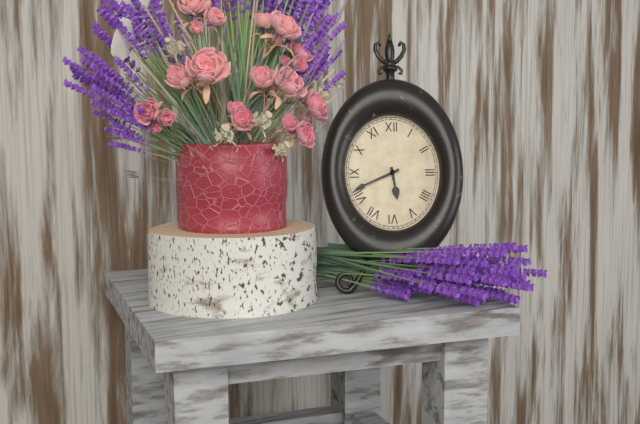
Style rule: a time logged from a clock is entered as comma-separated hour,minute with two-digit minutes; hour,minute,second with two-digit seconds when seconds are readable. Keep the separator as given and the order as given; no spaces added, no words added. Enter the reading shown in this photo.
5,41
